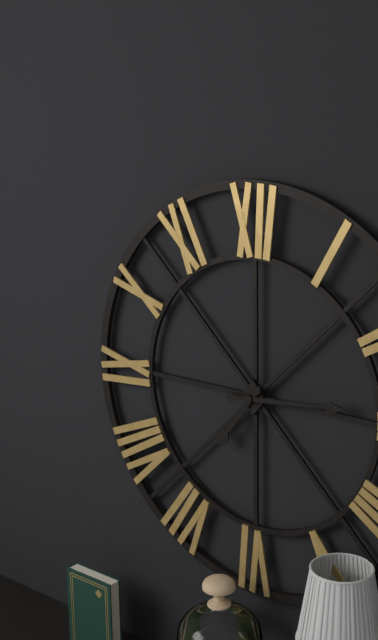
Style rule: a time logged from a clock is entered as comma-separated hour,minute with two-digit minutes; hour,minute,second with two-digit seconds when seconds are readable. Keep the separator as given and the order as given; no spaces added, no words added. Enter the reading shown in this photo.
7,14
